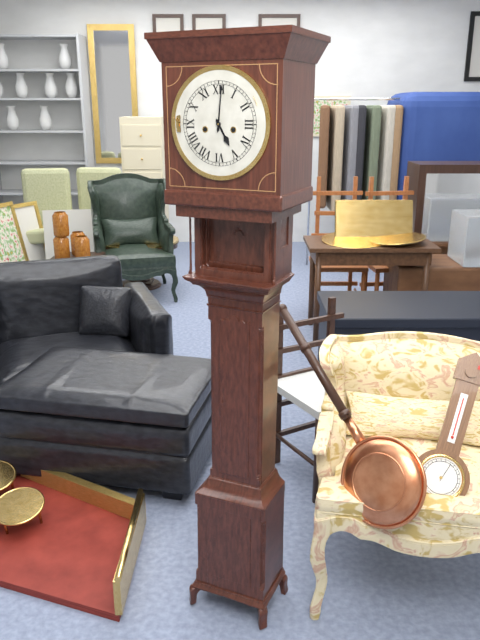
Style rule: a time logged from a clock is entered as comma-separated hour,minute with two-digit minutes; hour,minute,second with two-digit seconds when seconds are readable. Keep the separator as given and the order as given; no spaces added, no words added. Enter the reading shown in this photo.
5,01
